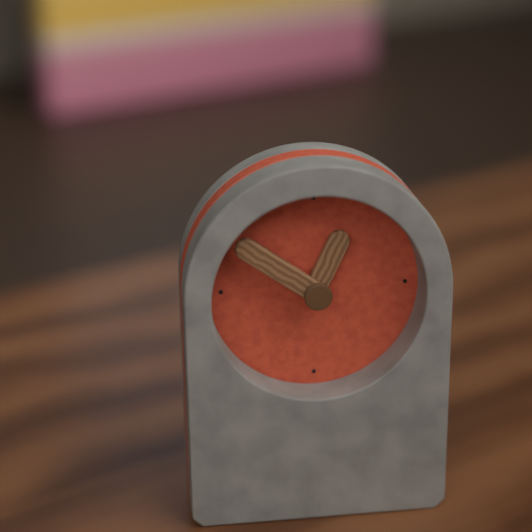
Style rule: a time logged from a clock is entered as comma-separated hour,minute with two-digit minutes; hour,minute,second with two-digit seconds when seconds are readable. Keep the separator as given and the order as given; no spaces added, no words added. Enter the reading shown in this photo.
12,51
